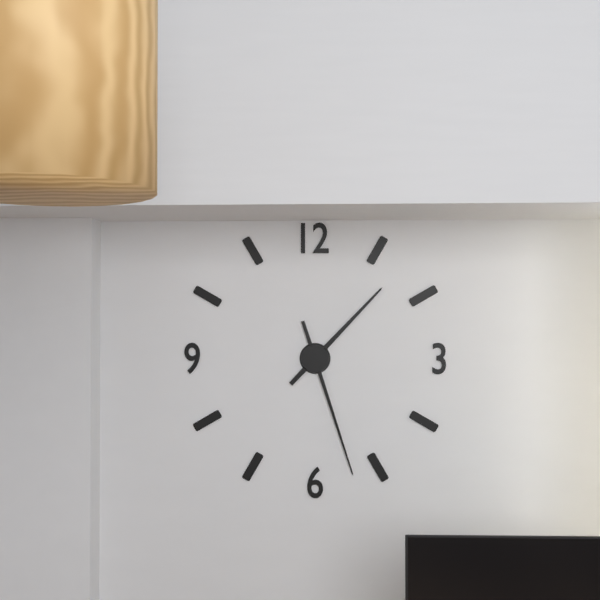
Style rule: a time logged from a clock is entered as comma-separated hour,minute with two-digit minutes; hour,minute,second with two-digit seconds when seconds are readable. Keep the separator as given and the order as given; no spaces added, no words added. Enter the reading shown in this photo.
1,27
